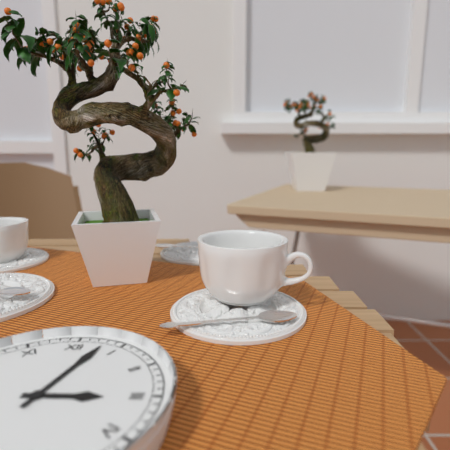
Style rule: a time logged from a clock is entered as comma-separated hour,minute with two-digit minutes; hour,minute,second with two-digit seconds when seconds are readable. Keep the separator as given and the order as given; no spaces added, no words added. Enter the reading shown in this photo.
3,03
